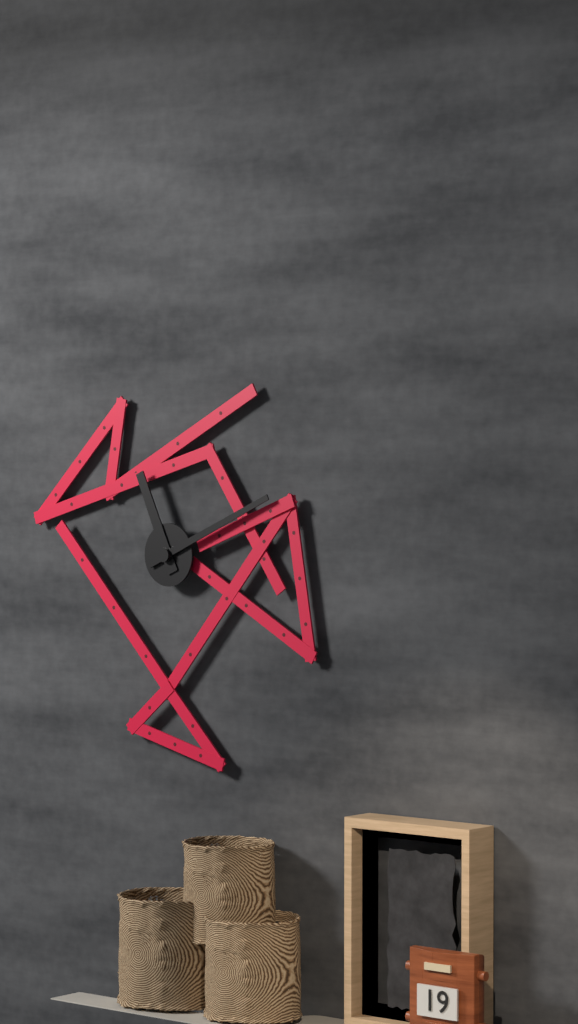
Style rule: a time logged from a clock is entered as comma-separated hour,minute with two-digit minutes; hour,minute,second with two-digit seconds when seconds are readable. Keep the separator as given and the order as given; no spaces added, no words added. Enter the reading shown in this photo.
11,11
